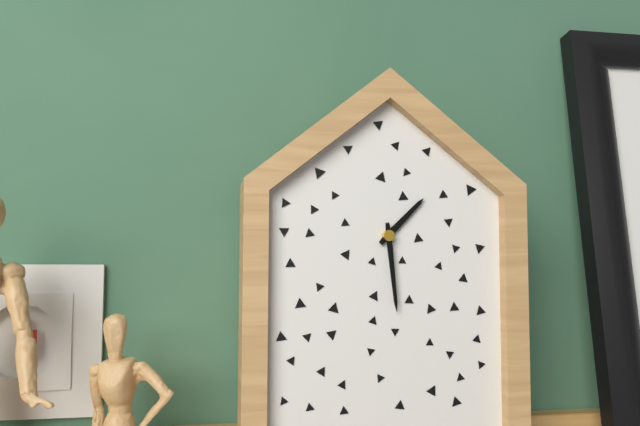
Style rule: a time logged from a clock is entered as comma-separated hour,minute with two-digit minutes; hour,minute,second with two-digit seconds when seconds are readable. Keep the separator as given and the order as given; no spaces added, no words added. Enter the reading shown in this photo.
1,29
